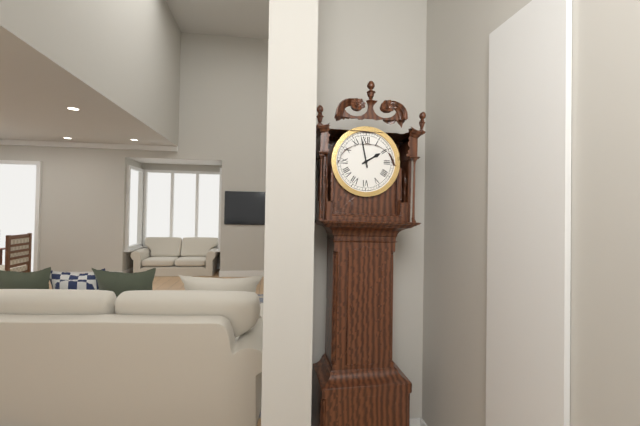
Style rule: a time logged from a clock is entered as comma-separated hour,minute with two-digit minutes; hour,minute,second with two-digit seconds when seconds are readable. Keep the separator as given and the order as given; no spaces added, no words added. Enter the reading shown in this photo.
1,58
